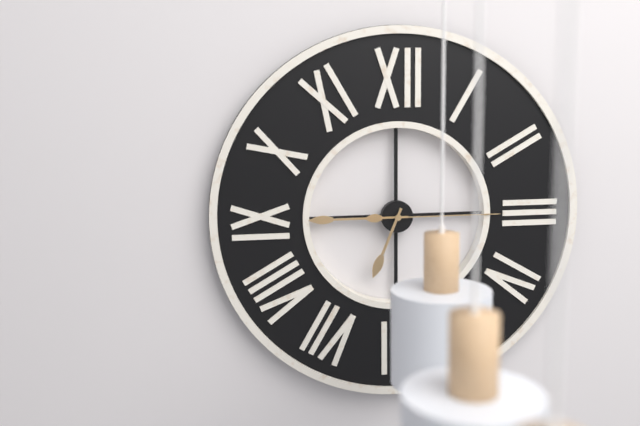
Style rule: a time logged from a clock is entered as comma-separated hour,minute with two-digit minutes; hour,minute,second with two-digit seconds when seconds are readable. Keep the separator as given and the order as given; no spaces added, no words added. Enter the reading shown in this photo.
6,45,15
